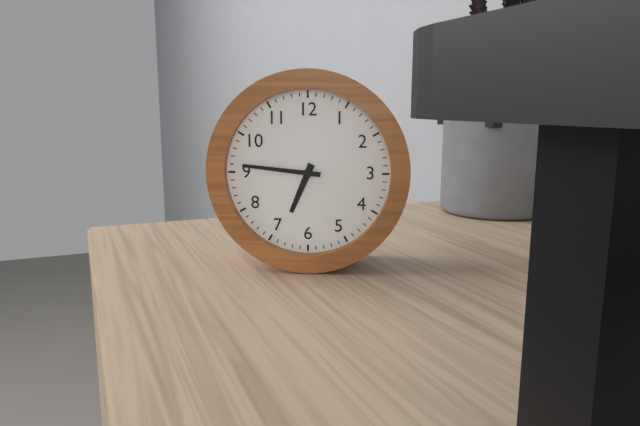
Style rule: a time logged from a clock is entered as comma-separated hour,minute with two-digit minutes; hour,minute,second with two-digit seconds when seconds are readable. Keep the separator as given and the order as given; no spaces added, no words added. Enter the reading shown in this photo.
6,46
